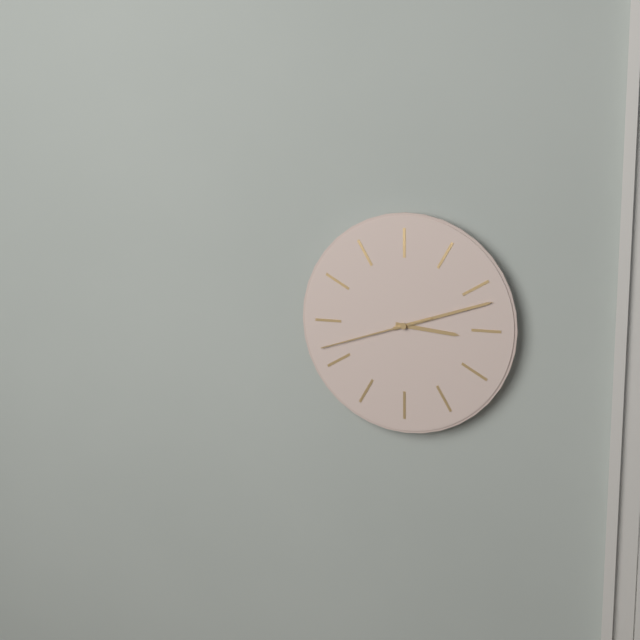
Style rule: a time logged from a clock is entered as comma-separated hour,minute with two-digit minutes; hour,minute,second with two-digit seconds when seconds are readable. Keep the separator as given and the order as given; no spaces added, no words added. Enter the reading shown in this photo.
3,12,42
